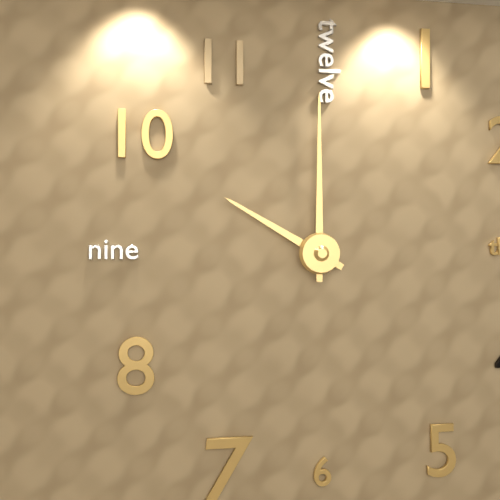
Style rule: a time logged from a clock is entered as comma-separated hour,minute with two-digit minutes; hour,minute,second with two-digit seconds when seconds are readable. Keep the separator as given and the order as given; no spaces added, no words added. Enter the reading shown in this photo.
10,00
